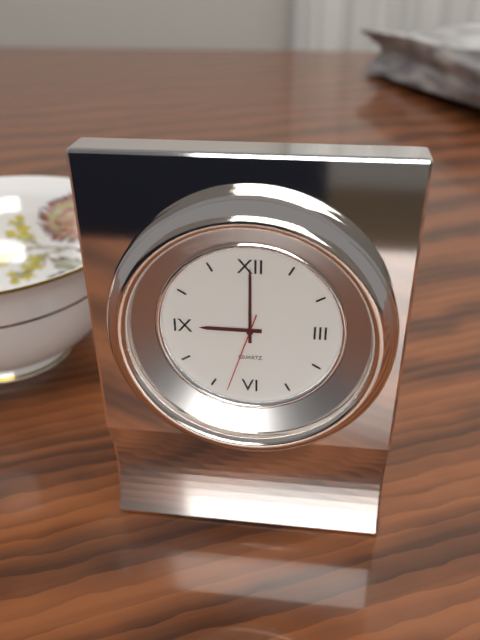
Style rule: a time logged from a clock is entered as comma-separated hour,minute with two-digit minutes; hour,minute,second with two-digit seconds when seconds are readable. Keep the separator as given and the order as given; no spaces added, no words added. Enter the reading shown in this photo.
9,00,33
